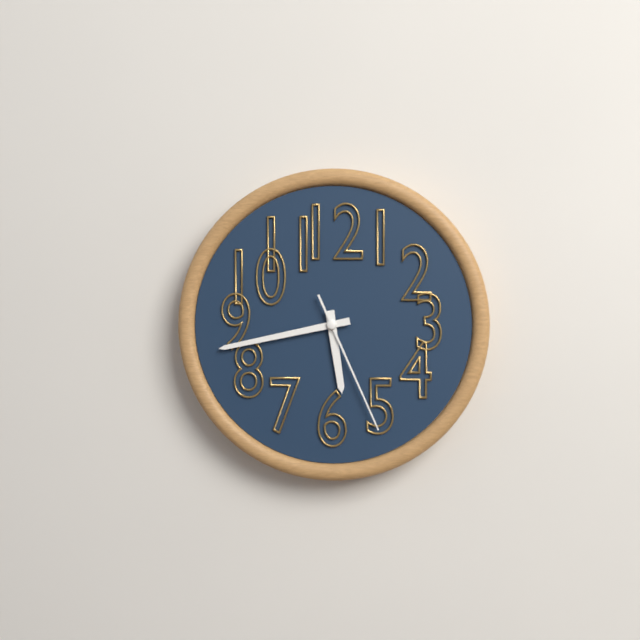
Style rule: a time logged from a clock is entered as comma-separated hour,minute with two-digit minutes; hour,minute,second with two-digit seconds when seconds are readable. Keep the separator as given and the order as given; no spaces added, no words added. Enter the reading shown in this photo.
5,43,26
